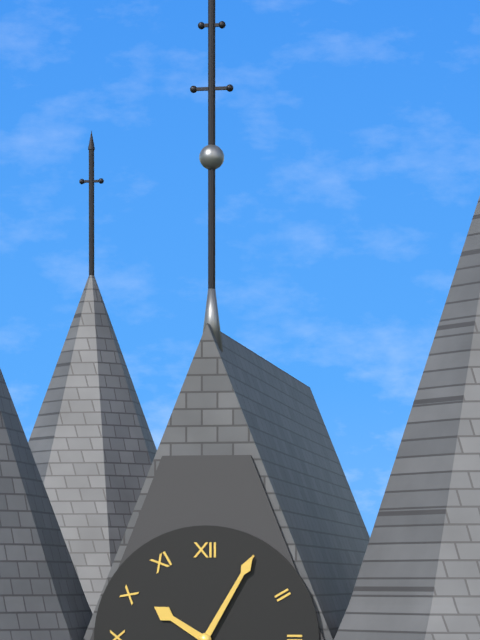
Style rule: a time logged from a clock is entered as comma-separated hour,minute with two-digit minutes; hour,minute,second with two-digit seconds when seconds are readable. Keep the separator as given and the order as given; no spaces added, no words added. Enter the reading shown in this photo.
10,05
